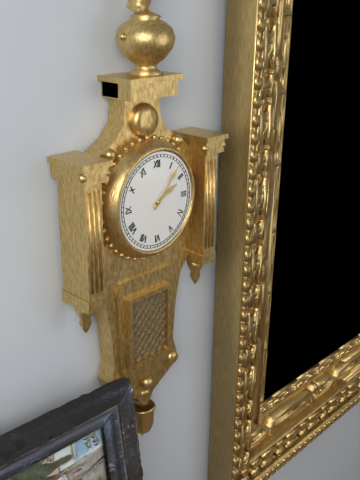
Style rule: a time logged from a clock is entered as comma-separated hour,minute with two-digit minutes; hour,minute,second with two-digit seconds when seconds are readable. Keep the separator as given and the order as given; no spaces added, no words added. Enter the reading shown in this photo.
2,07
